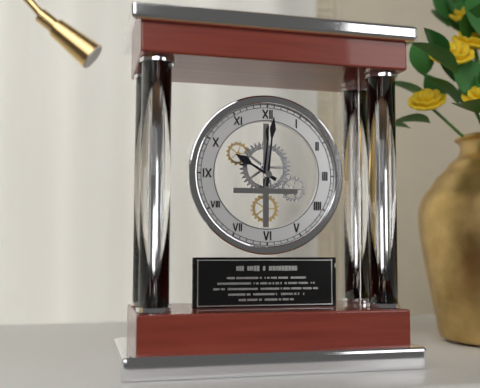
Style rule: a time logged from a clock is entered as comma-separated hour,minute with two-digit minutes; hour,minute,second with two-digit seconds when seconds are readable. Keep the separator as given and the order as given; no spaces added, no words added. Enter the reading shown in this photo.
10,01
